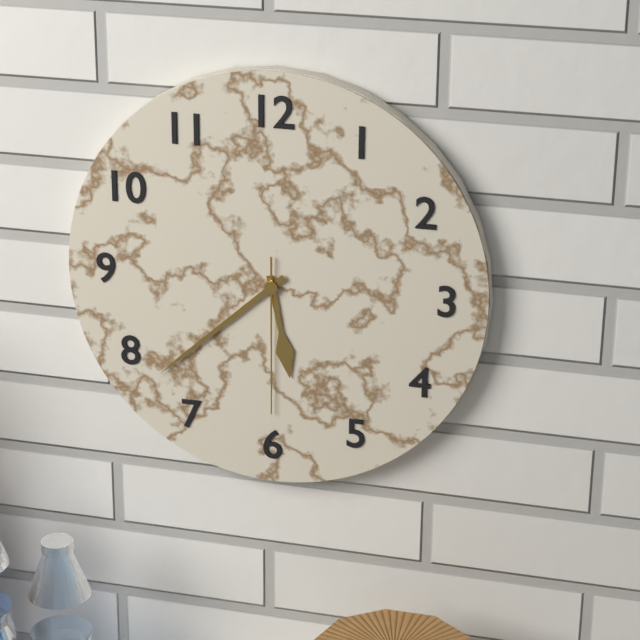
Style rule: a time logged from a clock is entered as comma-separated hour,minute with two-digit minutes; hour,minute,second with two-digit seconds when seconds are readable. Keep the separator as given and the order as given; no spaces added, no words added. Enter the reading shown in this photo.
5,38,30
